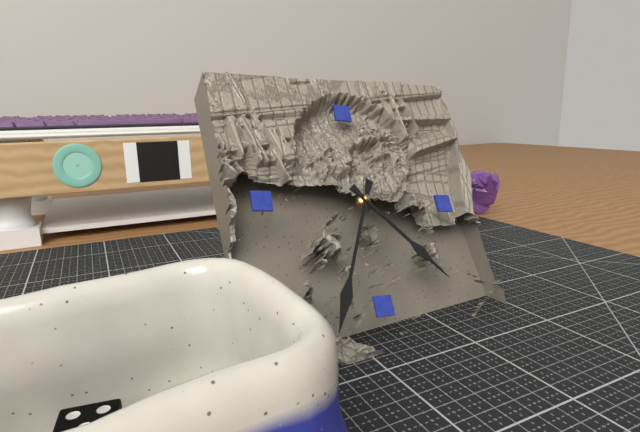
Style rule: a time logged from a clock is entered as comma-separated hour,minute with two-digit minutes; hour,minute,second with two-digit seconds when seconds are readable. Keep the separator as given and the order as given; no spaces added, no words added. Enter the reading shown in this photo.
4,34
